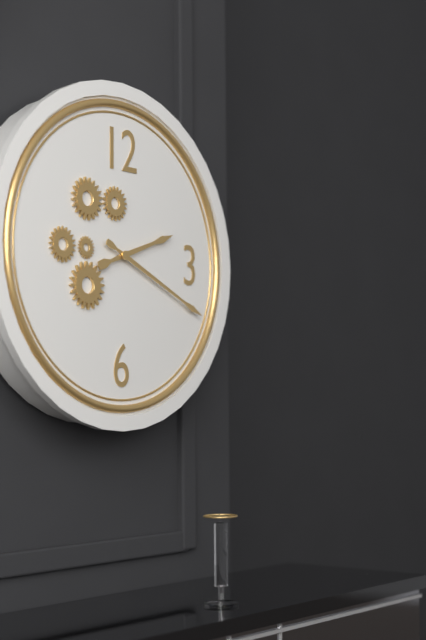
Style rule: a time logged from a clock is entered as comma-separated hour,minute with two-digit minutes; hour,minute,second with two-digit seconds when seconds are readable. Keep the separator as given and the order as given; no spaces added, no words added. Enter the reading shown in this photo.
2,19
